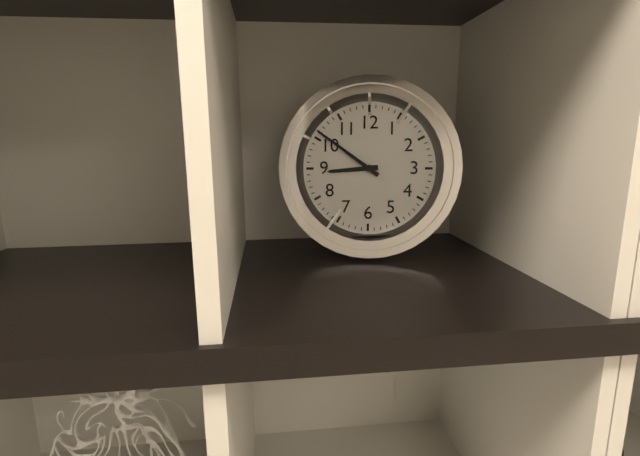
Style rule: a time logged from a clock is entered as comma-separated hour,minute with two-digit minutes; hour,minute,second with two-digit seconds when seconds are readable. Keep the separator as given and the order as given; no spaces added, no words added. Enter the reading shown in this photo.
8,51
